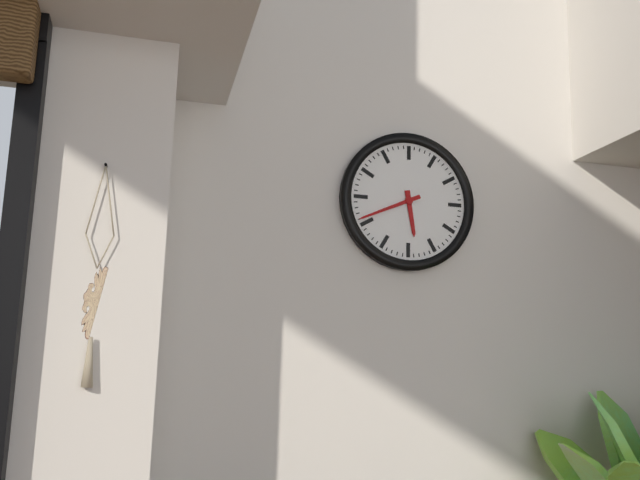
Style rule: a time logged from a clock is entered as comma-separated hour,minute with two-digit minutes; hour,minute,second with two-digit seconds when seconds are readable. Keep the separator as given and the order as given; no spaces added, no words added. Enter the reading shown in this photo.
5,41
